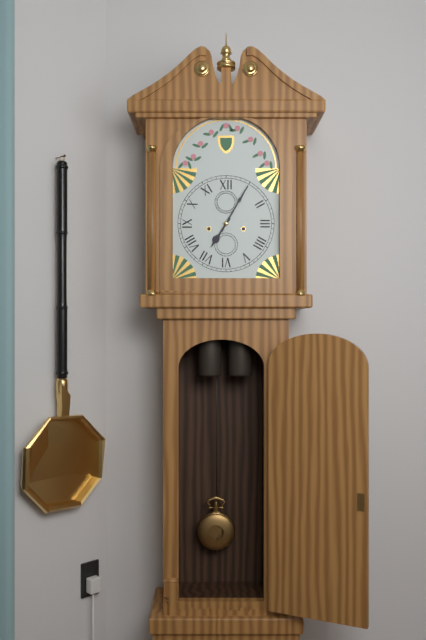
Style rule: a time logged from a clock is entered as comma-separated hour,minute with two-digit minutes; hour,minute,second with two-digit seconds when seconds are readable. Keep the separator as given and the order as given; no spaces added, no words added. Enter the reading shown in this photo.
7,05
